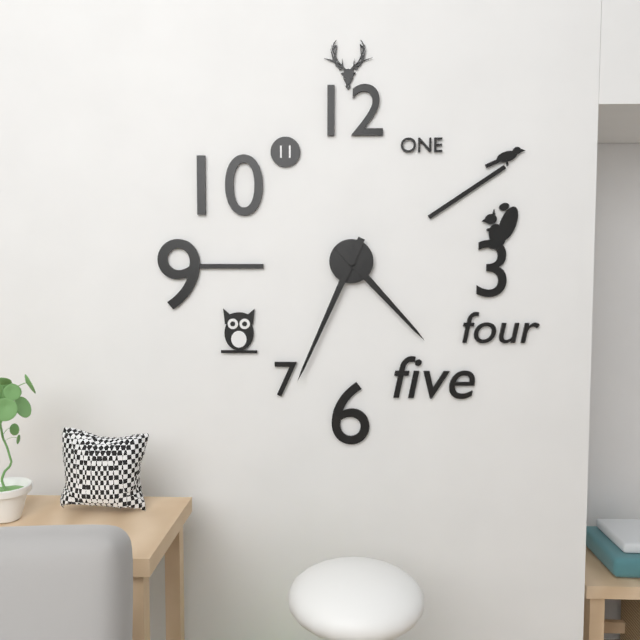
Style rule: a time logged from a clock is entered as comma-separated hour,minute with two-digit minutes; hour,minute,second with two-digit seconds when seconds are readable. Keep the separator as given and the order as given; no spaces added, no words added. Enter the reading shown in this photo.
4,34
